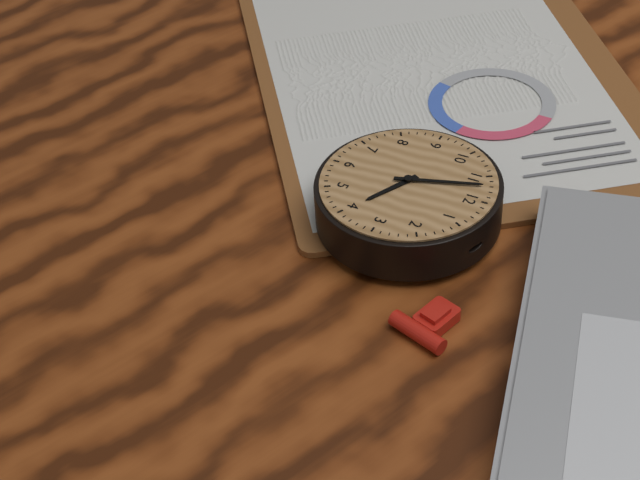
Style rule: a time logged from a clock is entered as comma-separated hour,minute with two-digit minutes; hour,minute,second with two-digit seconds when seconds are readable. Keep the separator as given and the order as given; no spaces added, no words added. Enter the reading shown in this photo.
3,57
